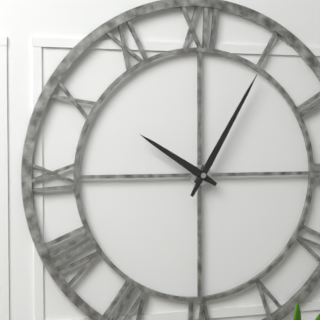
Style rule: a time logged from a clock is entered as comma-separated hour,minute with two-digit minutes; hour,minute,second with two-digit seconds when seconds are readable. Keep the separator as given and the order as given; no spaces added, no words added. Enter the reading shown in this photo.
10,05
